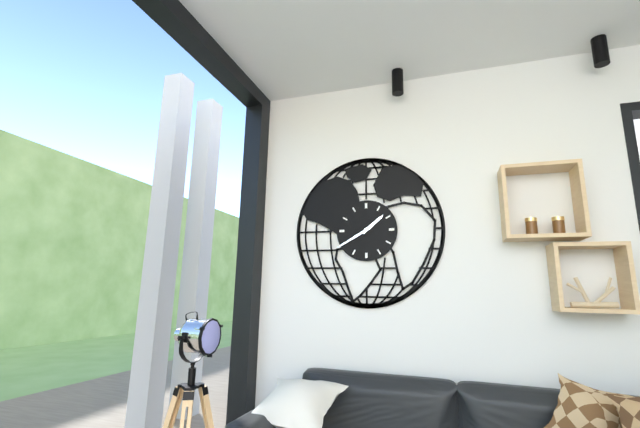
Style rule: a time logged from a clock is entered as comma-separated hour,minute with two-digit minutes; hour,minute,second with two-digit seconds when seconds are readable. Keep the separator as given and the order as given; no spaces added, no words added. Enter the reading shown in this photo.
1,40
